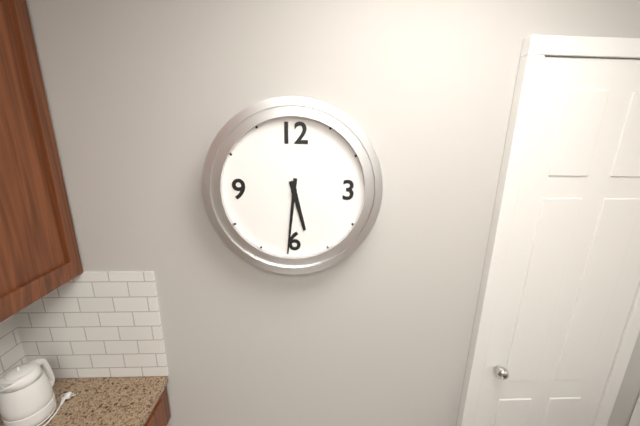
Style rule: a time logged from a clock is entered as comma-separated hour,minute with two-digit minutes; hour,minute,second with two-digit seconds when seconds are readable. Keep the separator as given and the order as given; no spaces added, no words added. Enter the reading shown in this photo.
5,31
